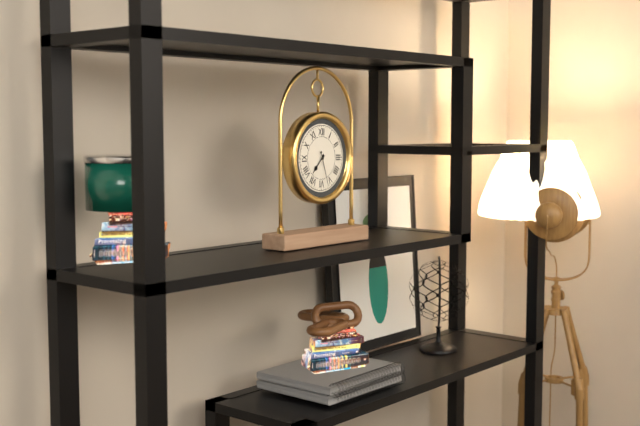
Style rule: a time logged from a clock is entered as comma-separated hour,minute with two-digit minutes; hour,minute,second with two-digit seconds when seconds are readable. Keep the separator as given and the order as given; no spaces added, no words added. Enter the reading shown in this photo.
7,27
